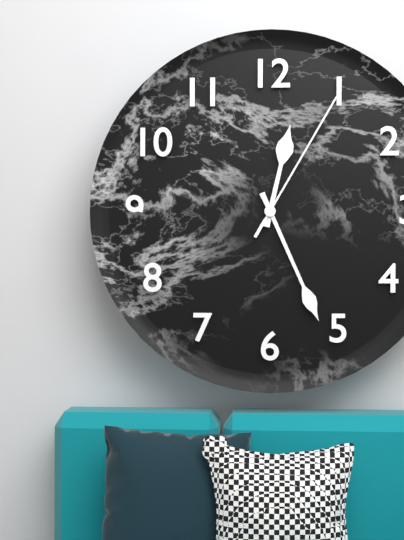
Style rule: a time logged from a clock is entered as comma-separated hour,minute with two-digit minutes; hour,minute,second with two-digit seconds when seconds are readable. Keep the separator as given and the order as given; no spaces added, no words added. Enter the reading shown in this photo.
12,26,05
